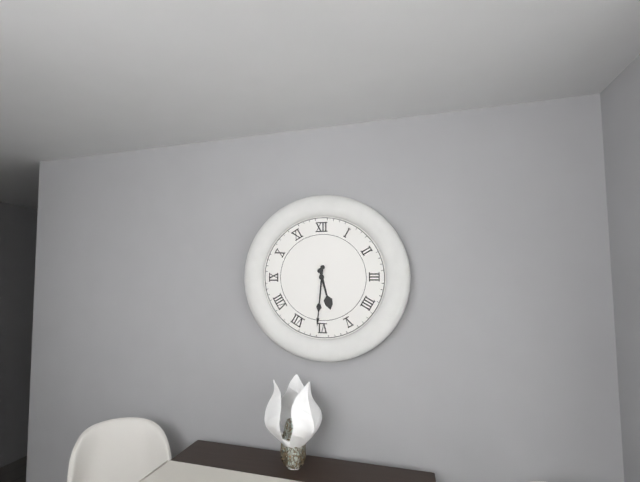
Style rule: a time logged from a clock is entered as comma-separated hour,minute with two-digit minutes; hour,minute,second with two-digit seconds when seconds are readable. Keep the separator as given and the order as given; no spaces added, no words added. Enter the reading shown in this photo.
5,31
